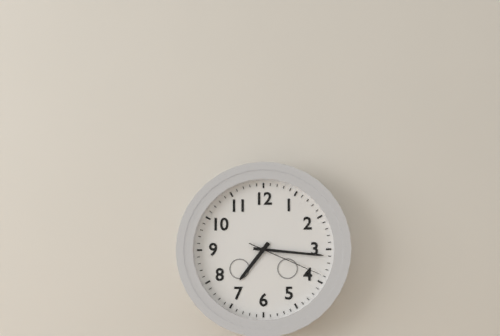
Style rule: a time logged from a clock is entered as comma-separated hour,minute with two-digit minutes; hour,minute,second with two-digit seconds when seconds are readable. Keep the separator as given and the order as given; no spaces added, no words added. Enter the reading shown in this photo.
7,16,19
